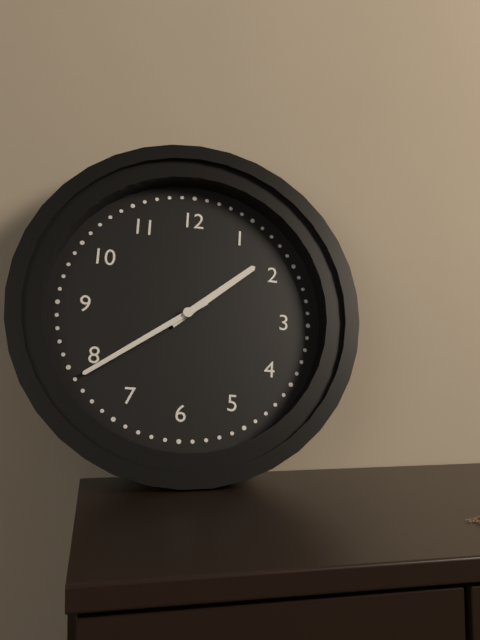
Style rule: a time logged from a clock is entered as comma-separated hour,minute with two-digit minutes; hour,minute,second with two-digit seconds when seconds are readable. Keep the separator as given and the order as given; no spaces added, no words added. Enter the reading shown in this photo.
1,39
